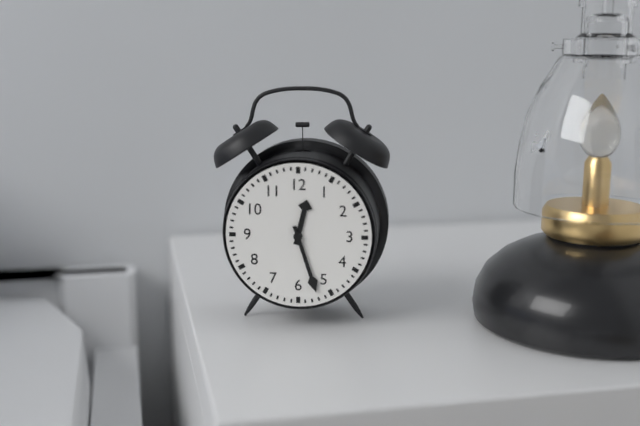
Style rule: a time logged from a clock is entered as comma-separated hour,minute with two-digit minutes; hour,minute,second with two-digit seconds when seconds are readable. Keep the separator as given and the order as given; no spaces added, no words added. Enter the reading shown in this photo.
12,27
